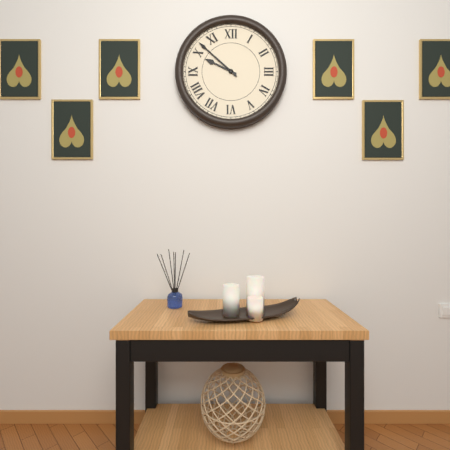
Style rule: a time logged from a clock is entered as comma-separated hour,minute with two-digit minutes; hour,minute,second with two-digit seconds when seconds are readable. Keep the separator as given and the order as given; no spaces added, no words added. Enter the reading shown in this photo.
9,52
